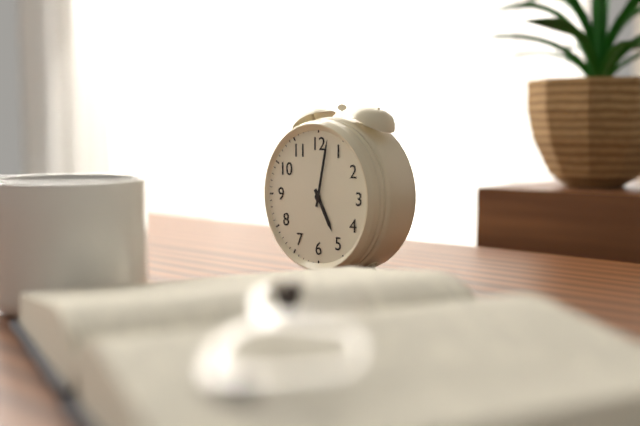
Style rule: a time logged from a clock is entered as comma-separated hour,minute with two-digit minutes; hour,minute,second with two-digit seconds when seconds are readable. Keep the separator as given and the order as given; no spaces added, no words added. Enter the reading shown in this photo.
5,02
